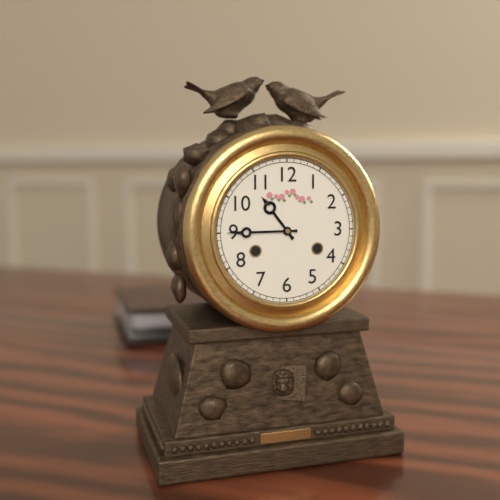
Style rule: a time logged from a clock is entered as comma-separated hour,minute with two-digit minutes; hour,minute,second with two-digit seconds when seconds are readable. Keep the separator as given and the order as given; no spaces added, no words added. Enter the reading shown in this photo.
10,45
